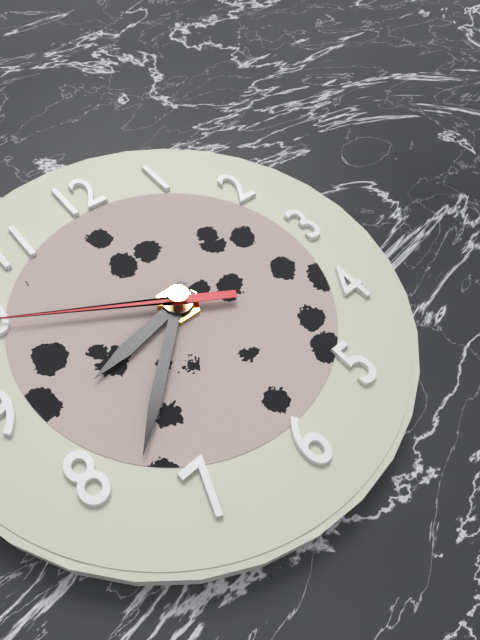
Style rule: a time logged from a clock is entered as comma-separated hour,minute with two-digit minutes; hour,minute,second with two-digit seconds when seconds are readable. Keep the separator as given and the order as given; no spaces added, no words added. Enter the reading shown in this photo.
8,38
